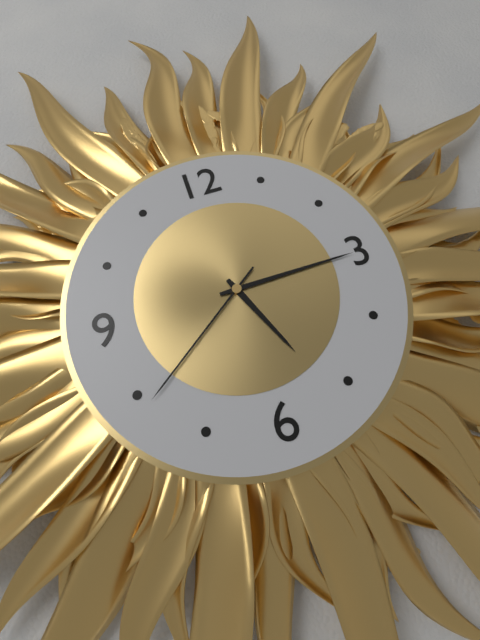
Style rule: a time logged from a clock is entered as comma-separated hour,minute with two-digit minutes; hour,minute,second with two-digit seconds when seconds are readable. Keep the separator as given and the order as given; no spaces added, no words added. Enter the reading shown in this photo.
5,15,39
